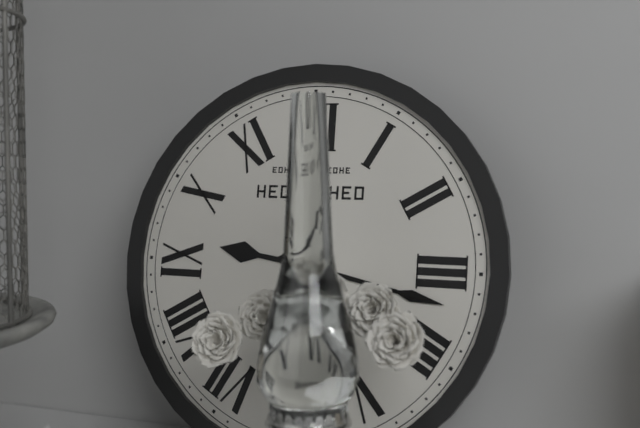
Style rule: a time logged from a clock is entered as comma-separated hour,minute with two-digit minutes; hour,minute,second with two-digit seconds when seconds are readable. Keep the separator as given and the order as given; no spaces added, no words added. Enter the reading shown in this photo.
9,17
